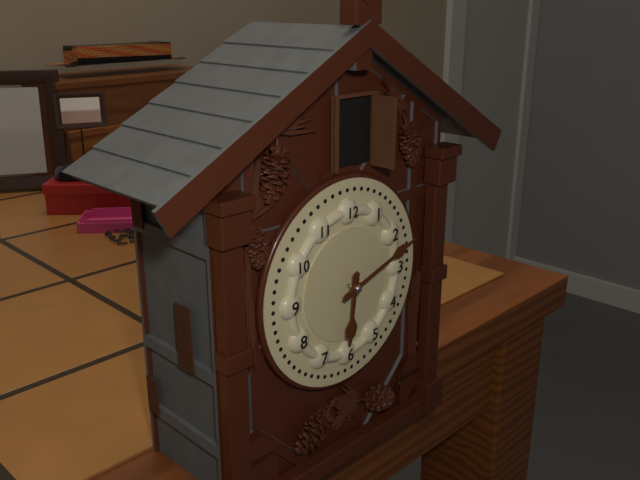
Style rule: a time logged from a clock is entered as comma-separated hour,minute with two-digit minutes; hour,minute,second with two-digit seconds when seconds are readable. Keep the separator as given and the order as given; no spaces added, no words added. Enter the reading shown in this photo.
6,12
